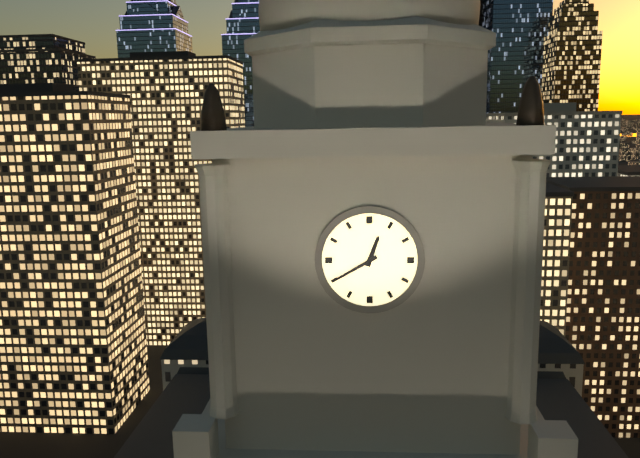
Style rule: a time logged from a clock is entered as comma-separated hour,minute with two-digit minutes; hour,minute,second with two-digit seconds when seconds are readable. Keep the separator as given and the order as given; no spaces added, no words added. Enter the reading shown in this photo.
12,40
